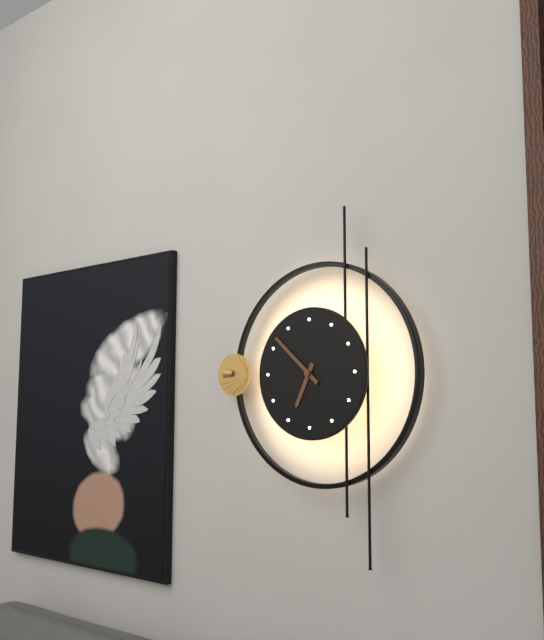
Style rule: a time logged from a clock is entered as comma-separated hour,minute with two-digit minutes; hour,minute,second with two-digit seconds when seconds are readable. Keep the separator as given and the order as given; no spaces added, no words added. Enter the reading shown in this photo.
6,52
